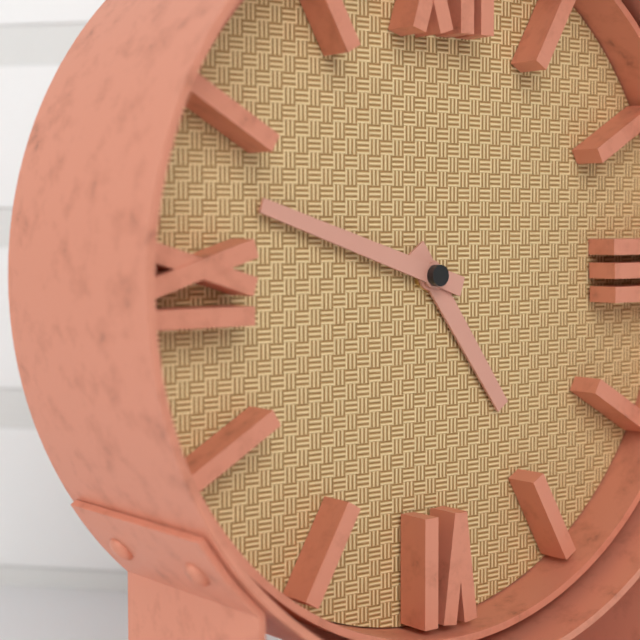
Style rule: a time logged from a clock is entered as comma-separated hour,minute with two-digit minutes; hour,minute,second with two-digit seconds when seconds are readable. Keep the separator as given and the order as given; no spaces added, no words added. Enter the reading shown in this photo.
4,48
